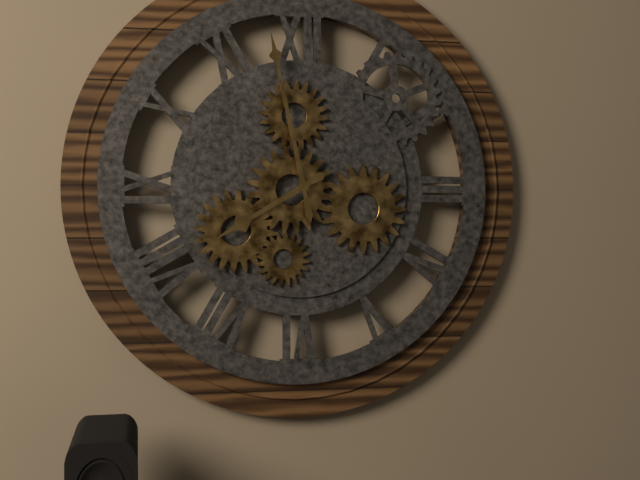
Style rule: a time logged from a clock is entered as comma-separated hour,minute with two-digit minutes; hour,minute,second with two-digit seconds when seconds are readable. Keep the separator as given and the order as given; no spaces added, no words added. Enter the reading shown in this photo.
7,58
